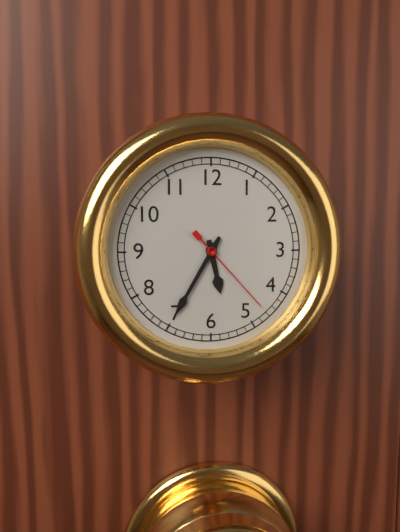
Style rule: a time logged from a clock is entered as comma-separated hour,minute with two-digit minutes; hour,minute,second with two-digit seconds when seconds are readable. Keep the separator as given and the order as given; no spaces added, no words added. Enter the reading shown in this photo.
5,35,23
